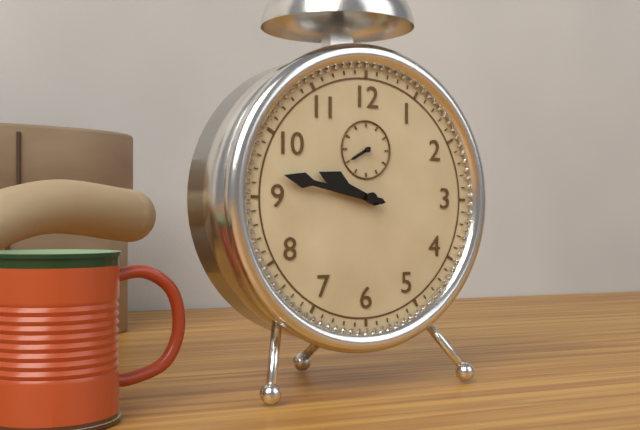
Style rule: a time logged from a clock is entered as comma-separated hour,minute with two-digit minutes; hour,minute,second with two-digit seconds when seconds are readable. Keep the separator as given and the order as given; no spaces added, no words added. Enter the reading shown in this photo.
9,47
